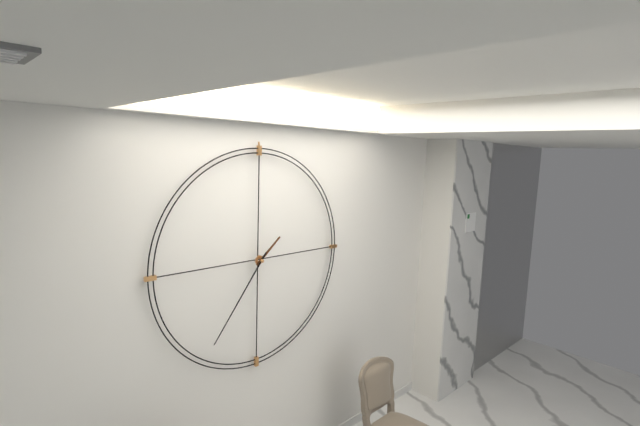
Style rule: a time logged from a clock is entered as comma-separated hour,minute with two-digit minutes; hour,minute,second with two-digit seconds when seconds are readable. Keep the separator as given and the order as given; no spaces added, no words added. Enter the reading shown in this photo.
1,36
